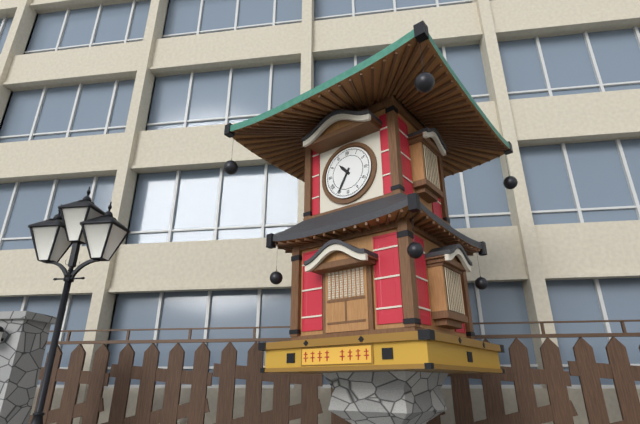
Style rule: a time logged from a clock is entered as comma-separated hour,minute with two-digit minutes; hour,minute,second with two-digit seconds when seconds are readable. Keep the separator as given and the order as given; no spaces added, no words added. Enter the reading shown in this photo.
10,35
